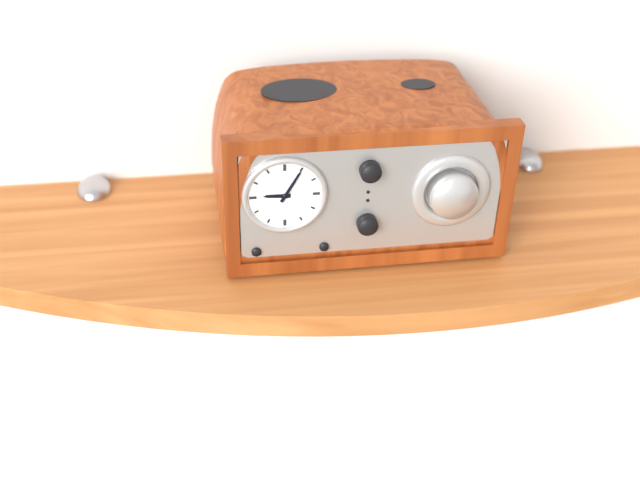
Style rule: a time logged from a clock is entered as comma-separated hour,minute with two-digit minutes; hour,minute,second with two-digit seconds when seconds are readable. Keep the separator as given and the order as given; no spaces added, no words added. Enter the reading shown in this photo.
9,05
